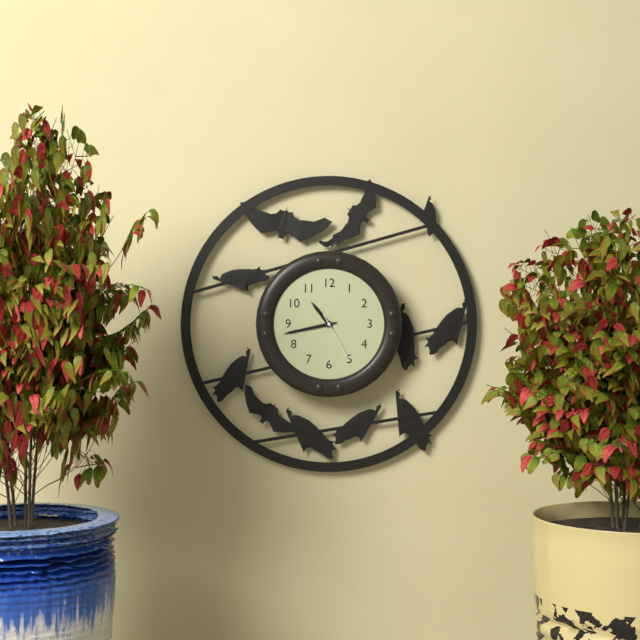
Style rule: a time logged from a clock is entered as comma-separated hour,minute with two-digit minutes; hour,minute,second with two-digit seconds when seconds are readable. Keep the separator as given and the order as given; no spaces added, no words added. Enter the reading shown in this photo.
10,43,25
